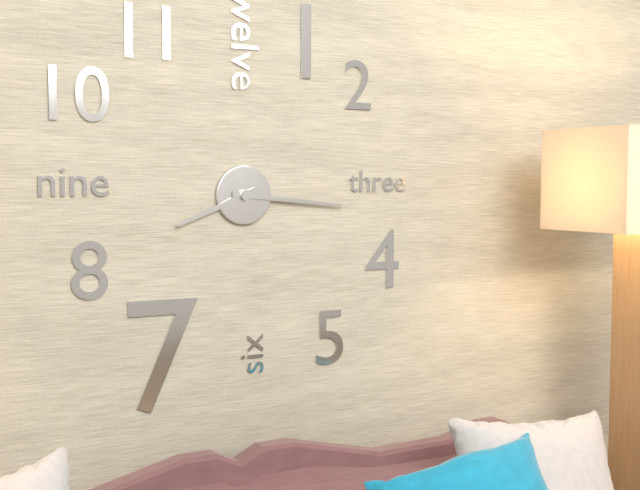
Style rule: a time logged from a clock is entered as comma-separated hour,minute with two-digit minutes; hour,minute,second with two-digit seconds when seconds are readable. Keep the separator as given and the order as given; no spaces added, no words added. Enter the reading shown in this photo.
8,16
